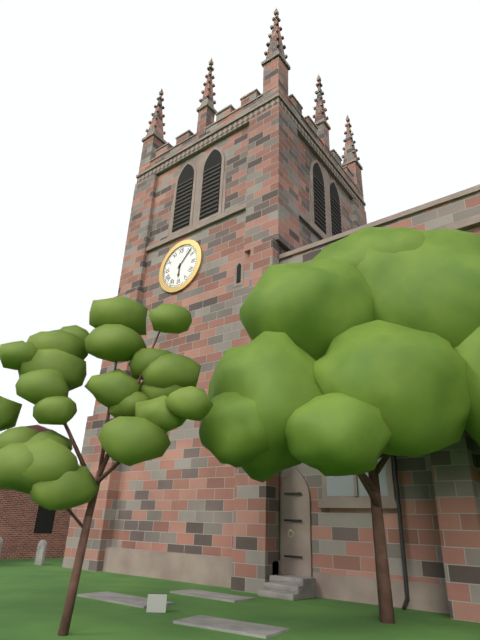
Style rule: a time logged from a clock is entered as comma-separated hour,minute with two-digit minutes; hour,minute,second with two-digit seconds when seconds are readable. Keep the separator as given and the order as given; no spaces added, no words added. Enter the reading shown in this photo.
6,07
